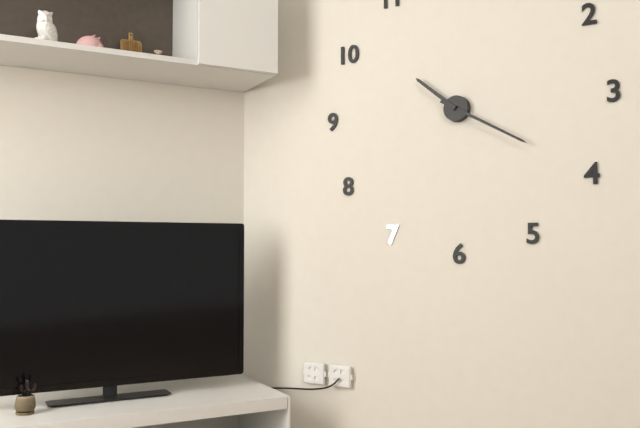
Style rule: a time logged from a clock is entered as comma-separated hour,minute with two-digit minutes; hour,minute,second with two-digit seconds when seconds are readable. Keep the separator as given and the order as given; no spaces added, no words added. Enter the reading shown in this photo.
10,20
